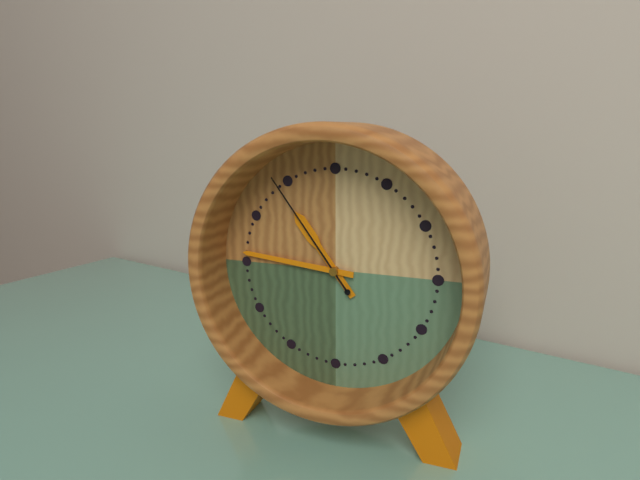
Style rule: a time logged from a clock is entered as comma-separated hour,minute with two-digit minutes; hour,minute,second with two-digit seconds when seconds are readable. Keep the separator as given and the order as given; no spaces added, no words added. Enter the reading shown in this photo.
10,46,54
